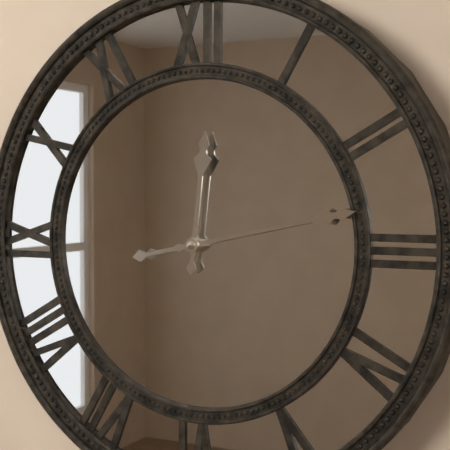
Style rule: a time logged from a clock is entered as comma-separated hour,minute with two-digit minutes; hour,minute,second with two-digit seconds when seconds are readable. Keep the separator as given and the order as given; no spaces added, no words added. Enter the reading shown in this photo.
12,13
